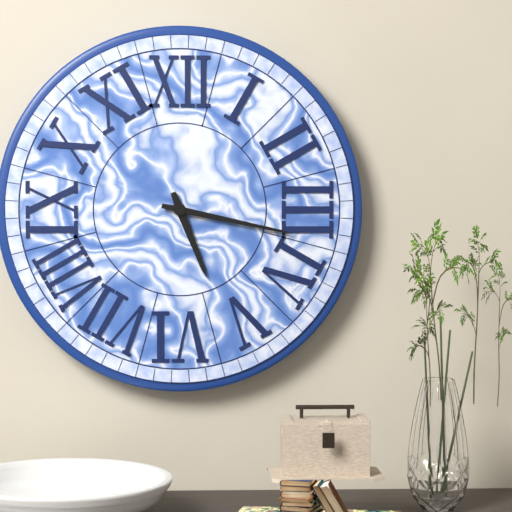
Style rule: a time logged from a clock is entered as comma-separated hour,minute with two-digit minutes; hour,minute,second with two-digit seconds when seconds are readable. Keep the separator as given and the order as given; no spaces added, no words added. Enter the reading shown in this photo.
5,17
